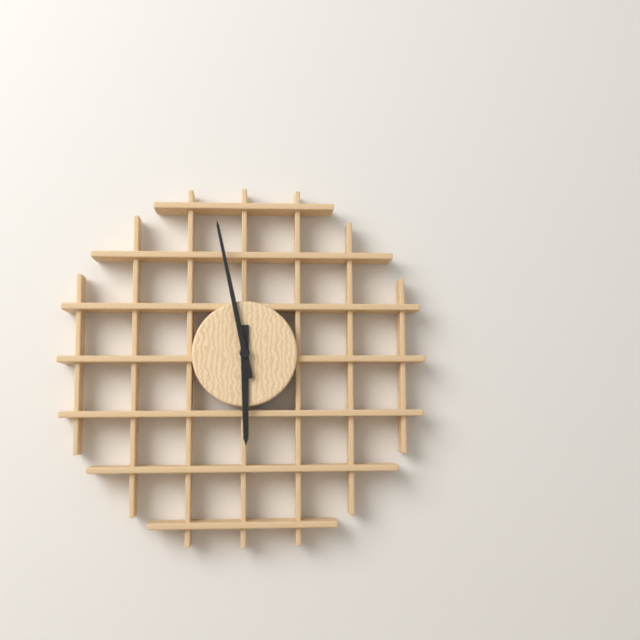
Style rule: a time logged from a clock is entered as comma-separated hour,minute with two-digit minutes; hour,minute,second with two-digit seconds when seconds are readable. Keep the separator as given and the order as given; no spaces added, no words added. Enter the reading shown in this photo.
5,58
